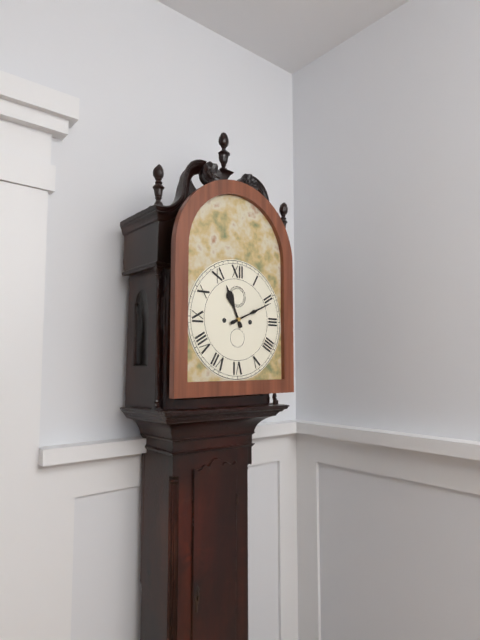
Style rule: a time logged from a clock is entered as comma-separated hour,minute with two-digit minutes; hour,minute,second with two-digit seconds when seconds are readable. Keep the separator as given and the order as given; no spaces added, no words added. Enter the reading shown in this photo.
11,11
